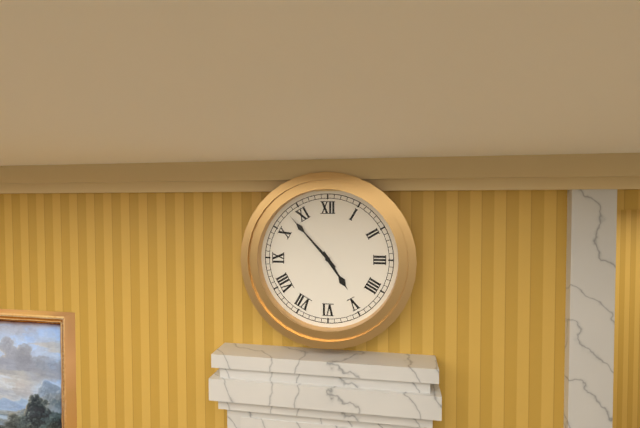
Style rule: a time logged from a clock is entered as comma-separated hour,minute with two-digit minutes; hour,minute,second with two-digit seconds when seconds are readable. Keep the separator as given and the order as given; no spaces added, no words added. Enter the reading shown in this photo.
4,53
